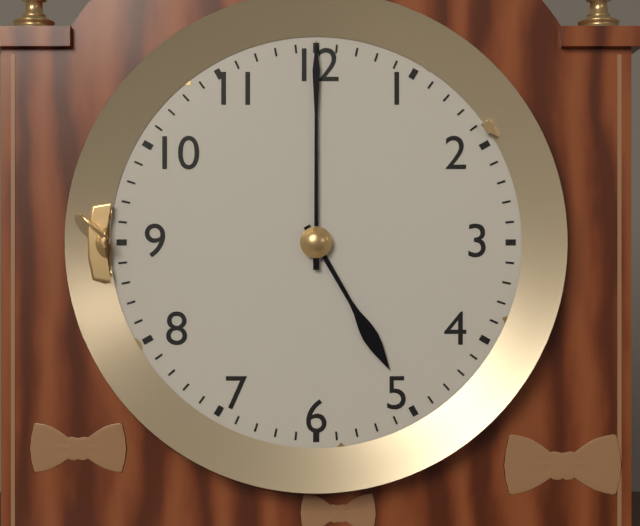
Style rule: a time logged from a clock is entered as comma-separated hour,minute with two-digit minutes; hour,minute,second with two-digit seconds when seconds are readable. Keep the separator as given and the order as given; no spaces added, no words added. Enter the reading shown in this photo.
5,00
